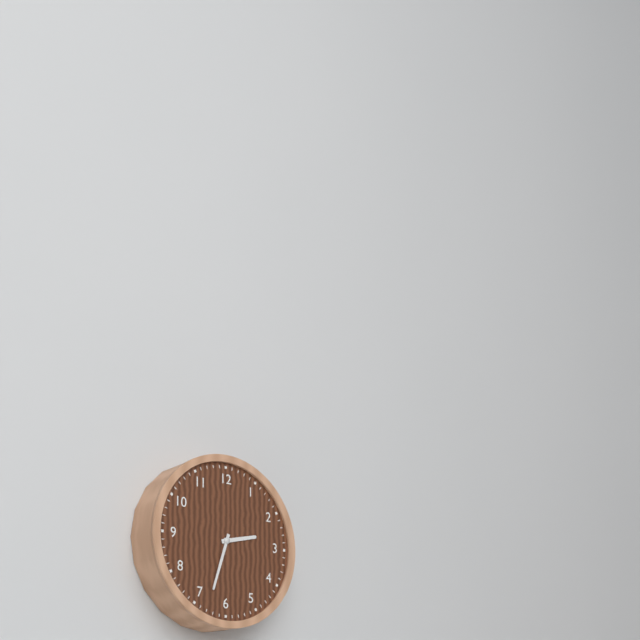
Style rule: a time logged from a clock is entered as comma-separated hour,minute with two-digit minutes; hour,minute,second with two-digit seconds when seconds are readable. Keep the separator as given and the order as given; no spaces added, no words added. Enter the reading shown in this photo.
2,33
